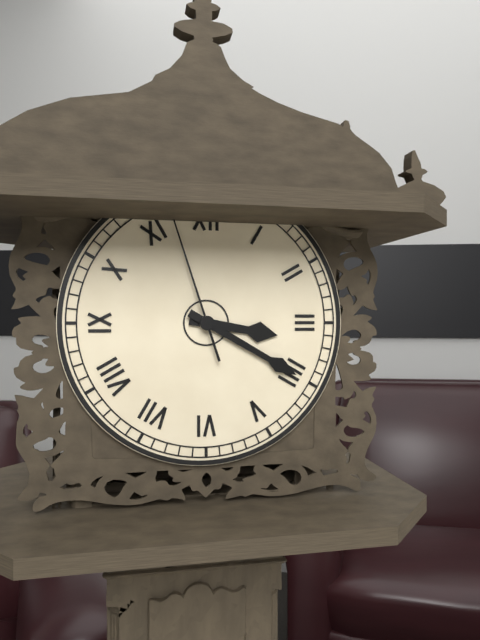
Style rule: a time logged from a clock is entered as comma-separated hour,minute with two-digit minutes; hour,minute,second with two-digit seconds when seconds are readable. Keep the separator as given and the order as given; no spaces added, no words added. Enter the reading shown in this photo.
3,20,57
